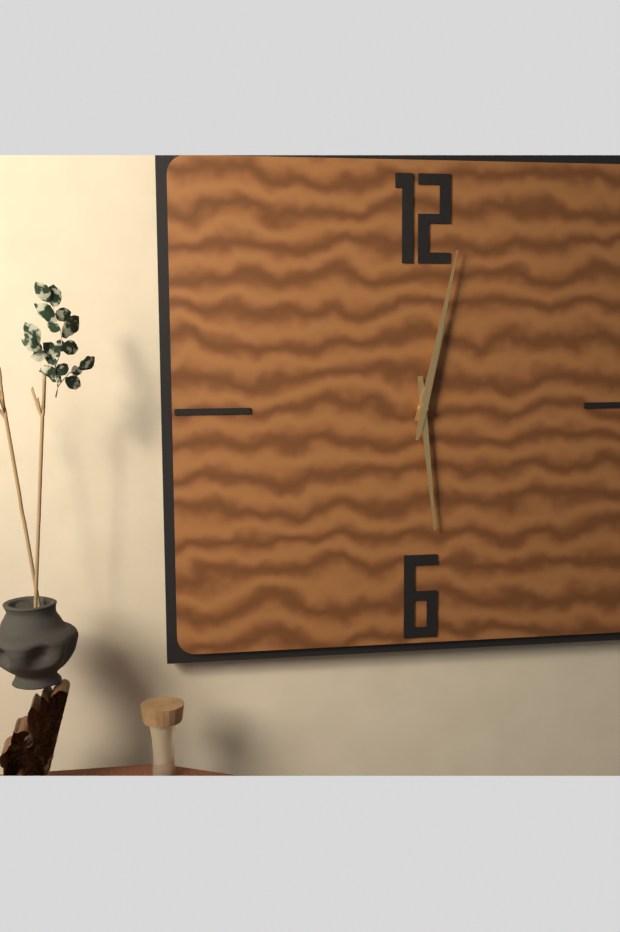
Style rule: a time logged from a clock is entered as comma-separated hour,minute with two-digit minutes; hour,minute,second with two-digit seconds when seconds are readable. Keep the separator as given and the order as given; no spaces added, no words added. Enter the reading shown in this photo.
12,29,02
